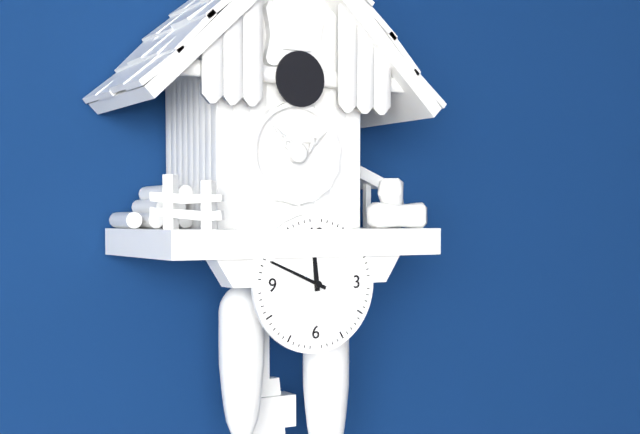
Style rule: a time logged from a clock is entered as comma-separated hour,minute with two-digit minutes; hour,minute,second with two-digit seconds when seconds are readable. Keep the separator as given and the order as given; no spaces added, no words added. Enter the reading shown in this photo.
11,49
